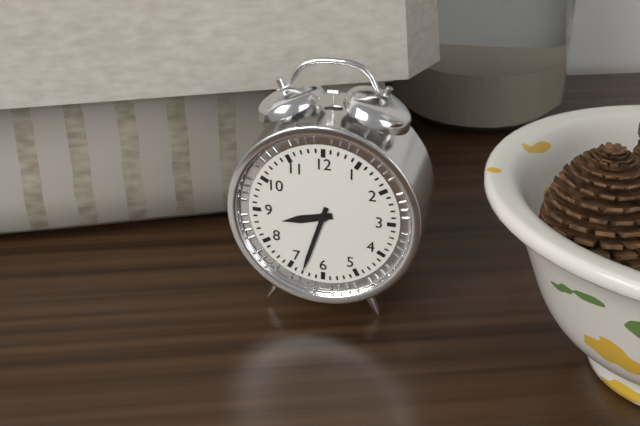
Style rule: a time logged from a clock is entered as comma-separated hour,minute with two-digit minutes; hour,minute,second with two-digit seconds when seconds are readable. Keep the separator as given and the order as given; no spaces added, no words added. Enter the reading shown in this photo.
8,33
